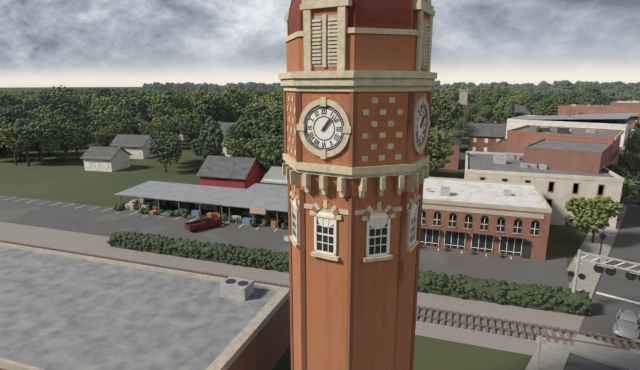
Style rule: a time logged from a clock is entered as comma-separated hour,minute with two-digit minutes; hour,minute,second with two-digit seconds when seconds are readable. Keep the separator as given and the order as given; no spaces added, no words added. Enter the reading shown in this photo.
1,07
